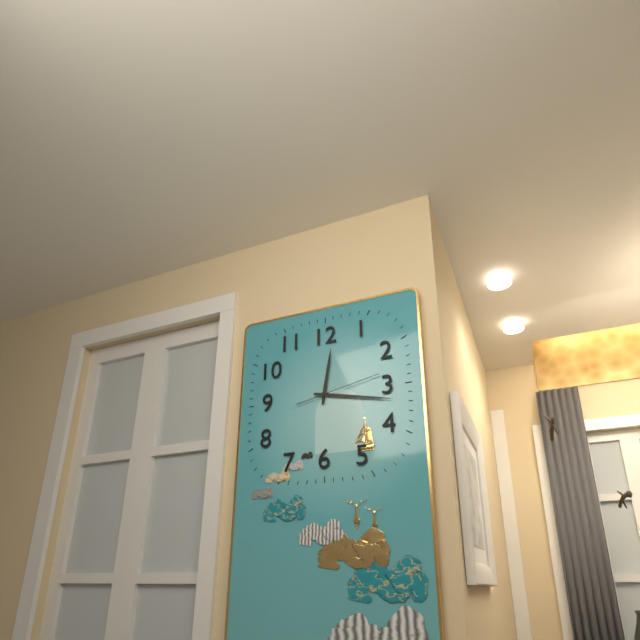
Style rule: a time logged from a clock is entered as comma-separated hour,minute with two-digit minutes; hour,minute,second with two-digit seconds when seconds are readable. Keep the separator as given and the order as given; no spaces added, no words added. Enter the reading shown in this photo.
12,17,13
